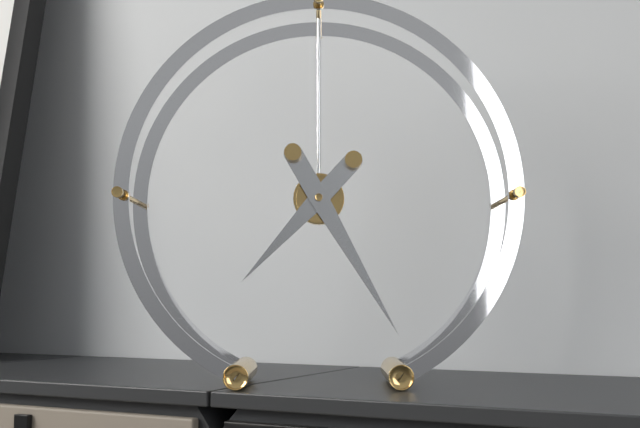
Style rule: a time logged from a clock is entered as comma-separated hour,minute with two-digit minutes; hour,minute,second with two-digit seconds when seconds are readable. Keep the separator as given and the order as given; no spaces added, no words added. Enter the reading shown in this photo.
7,25
